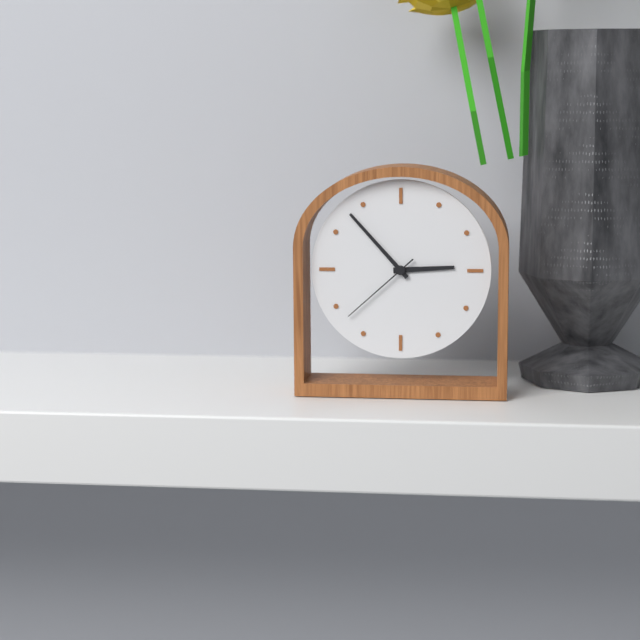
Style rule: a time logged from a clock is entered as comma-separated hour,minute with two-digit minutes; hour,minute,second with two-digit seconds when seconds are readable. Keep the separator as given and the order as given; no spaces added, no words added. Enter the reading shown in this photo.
2,53,38
